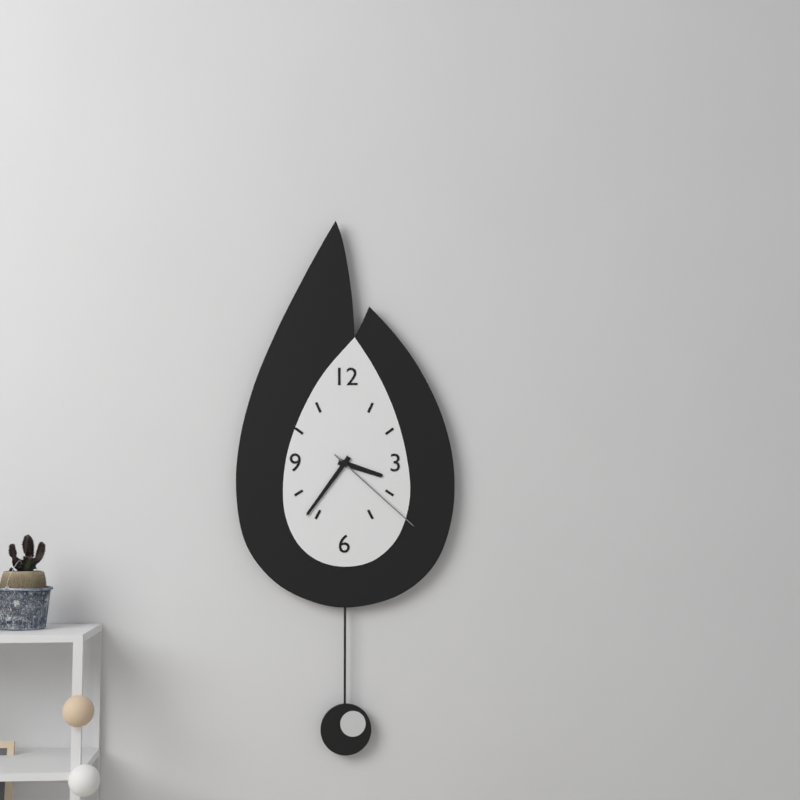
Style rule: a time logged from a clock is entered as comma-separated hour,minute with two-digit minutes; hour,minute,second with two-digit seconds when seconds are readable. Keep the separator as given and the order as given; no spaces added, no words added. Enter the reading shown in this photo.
3,36,22
